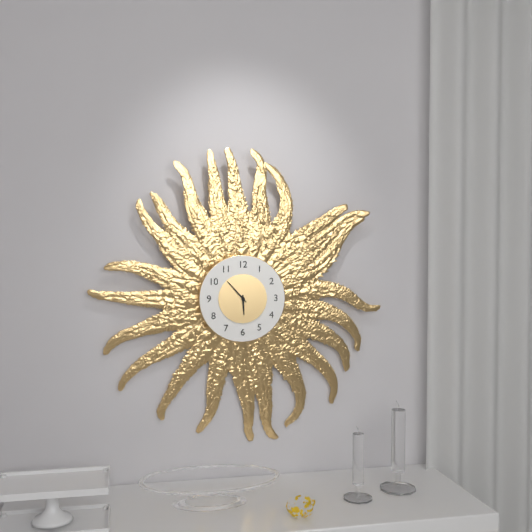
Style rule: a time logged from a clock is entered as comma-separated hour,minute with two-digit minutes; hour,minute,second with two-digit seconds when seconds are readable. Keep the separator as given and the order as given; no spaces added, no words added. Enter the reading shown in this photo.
5,53
